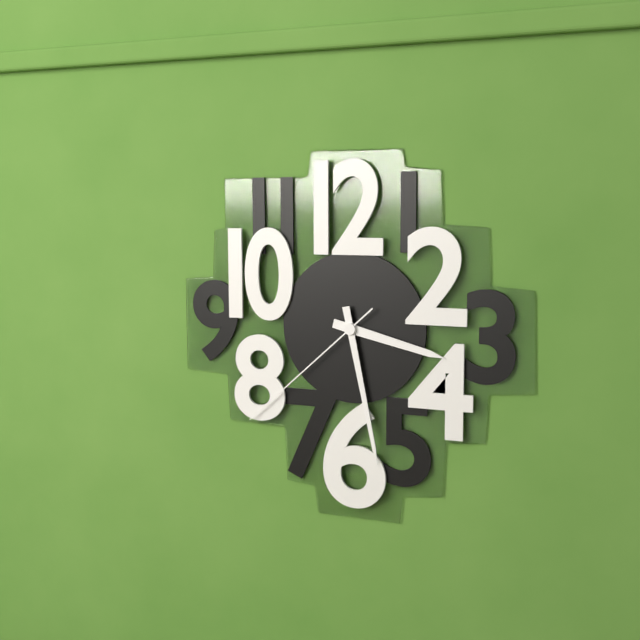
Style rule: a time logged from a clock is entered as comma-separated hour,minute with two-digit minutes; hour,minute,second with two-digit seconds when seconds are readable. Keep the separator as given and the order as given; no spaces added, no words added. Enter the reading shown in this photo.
3,28,38
